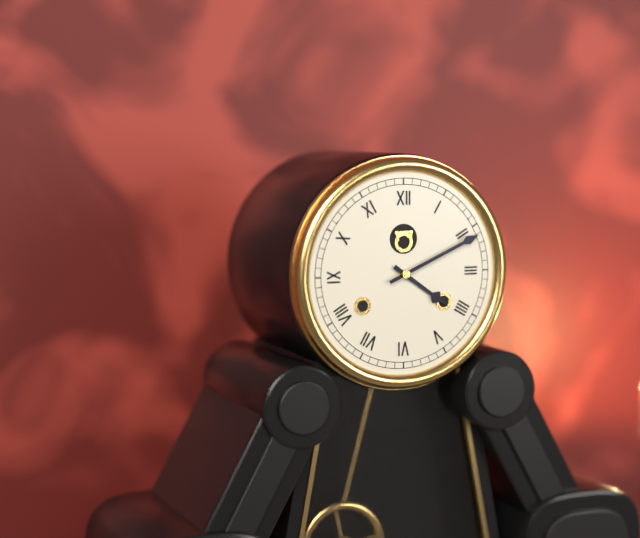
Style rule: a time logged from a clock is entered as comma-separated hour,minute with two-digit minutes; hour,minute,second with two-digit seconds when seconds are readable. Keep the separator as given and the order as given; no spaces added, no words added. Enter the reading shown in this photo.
4,11
